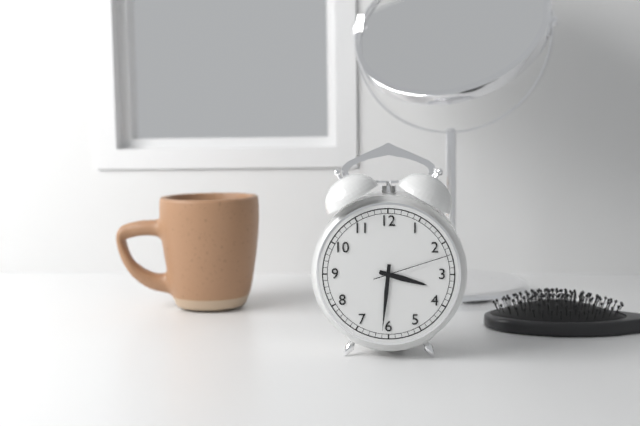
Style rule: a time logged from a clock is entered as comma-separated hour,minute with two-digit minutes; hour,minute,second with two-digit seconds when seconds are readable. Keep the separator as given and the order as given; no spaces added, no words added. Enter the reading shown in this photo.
3,31,12
